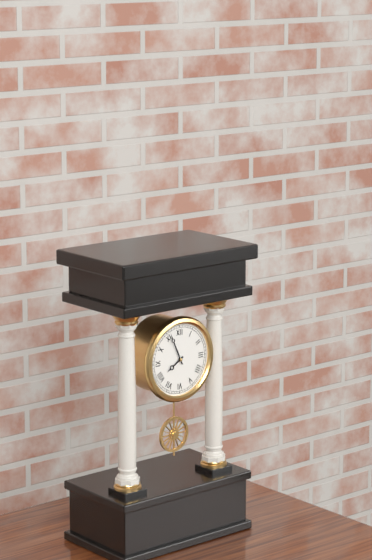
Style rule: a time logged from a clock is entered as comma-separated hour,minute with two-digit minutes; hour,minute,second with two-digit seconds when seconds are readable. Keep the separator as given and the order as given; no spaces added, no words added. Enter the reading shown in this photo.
7,56
